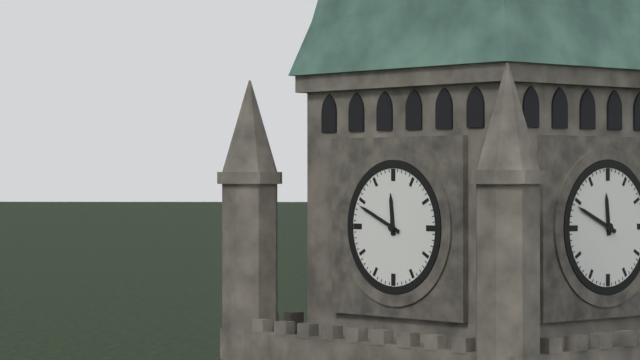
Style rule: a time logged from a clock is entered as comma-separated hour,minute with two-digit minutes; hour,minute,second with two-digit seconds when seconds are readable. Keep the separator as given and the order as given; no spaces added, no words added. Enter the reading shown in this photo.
11,49
